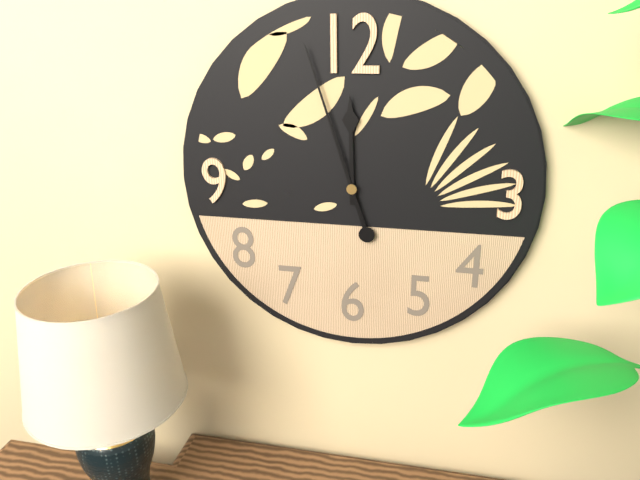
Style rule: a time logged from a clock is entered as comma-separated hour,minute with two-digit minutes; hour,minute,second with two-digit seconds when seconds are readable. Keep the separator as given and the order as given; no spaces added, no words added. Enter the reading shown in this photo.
11,57
